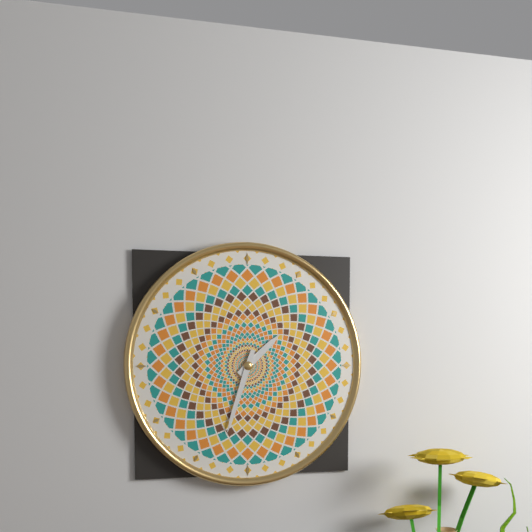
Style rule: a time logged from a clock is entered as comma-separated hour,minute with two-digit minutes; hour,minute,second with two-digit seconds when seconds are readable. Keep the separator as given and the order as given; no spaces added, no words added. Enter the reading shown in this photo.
1,33
